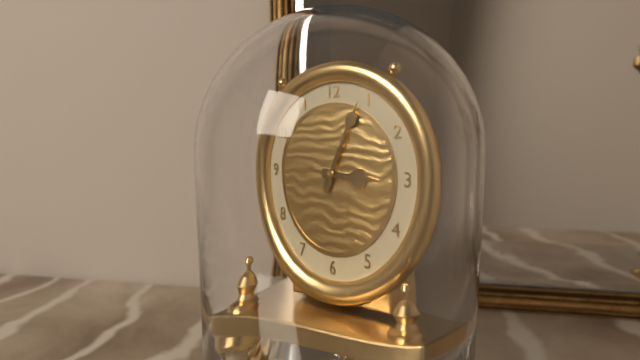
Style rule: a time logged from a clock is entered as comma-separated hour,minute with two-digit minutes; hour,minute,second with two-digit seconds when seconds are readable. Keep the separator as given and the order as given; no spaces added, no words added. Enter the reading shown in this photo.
3,04
